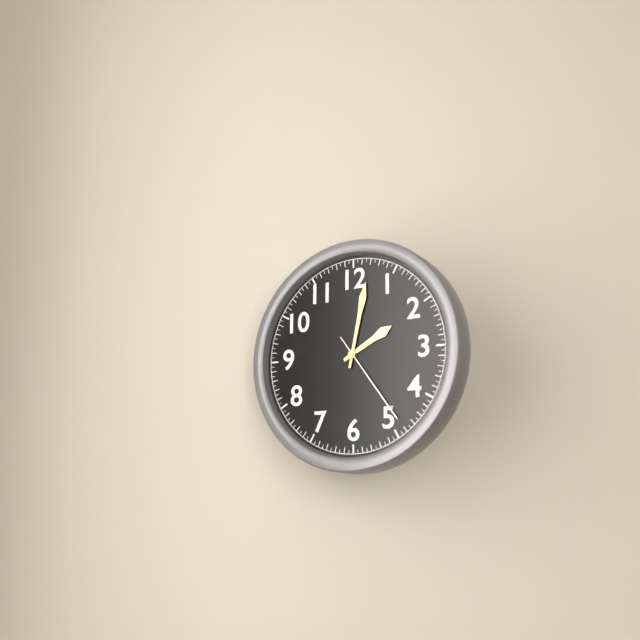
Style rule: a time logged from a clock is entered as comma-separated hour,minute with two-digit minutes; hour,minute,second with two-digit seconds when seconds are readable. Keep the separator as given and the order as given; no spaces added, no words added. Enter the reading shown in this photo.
2,02,24
